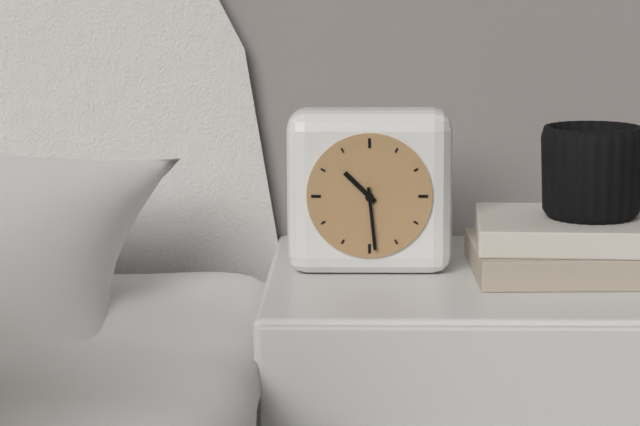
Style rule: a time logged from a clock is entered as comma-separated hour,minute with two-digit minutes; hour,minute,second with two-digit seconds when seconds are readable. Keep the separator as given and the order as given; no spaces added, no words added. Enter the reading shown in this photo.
10,29
